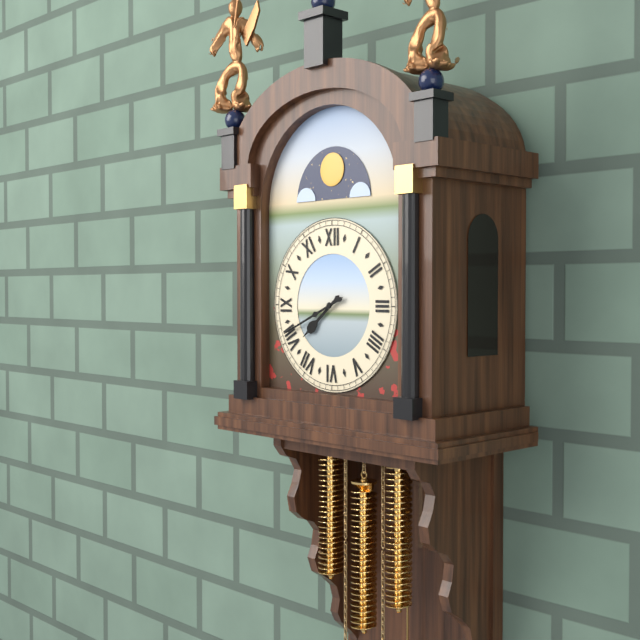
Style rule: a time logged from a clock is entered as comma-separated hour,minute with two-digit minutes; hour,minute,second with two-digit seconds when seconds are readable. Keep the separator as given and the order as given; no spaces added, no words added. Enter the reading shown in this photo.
7,41
